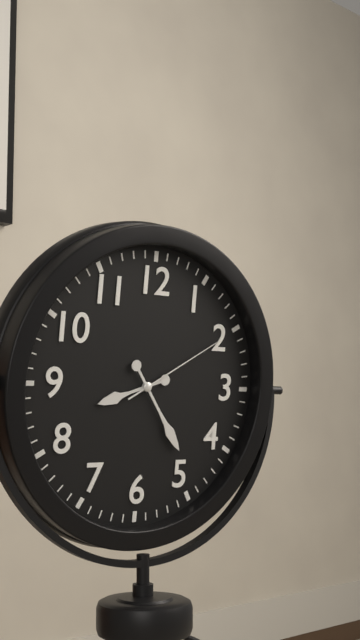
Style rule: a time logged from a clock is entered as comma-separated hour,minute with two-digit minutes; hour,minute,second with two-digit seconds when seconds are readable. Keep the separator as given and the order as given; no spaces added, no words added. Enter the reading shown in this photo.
8,24,10
